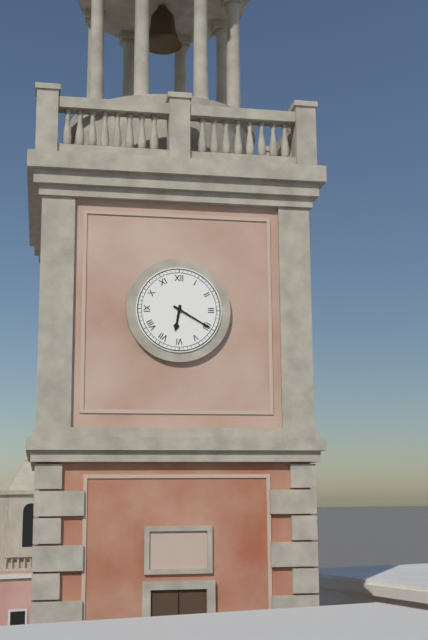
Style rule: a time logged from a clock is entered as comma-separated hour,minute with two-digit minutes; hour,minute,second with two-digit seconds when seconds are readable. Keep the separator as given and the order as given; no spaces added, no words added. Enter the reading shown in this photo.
6,20
